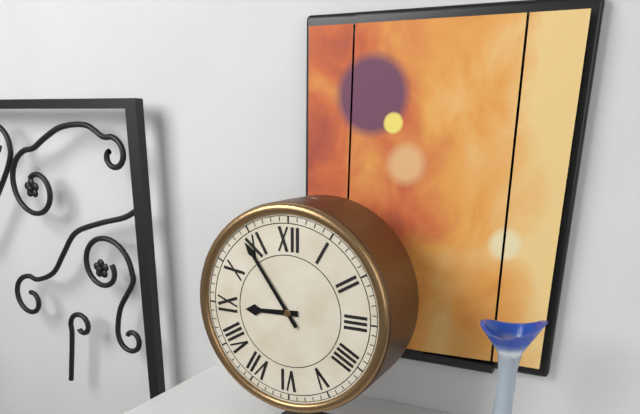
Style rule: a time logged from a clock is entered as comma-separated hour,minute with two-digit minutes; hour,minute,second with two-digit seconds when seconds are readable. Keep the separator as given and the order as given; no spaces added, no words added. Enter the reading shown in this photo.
8,54
